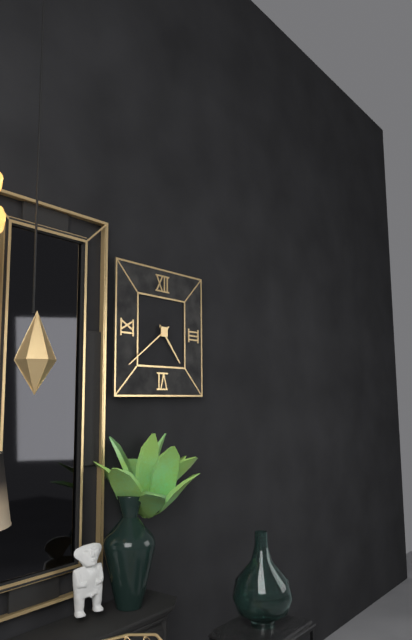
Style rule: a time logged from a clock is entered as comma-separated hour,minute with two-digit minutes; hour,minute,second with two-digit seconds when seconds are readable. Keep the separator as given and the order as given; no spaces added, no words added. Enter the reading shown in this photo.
4,39
